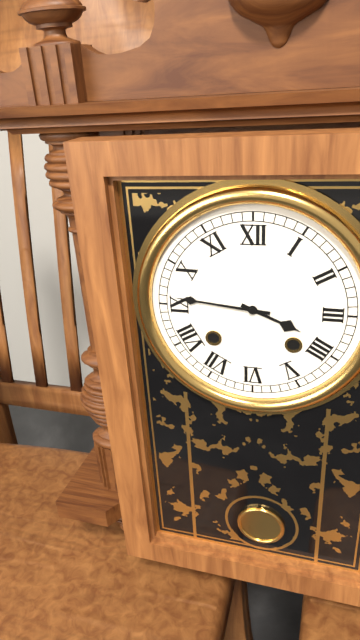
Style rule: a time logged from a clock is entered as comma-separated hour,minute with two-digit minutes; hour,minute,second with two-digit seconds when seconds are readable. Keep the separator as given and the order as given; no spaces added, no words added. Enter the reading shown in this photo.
3,46
